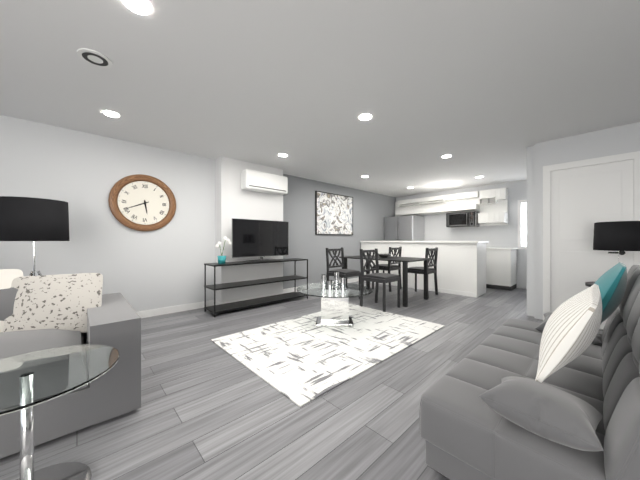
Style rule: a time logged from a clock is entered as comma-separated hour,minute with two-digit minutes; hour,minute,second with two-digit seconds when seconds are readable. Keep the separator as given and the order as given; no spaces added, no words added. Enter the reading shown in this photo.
5,41
